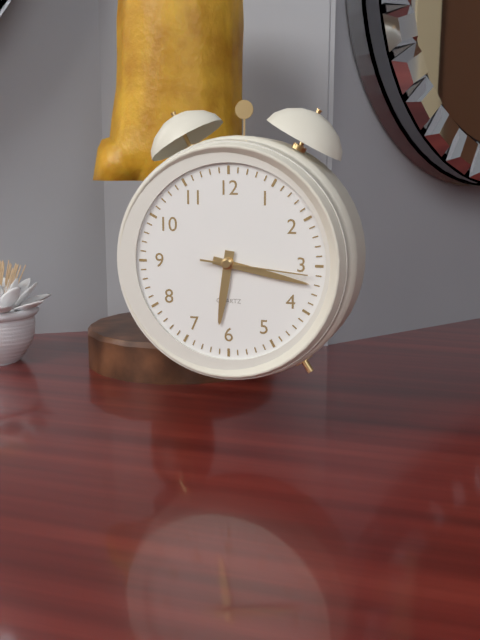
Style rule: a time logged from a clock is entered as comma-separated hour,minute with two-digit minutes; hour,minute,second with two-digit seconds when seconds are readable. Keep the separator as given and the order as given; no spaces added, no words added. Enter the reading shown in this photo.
6,17,16
